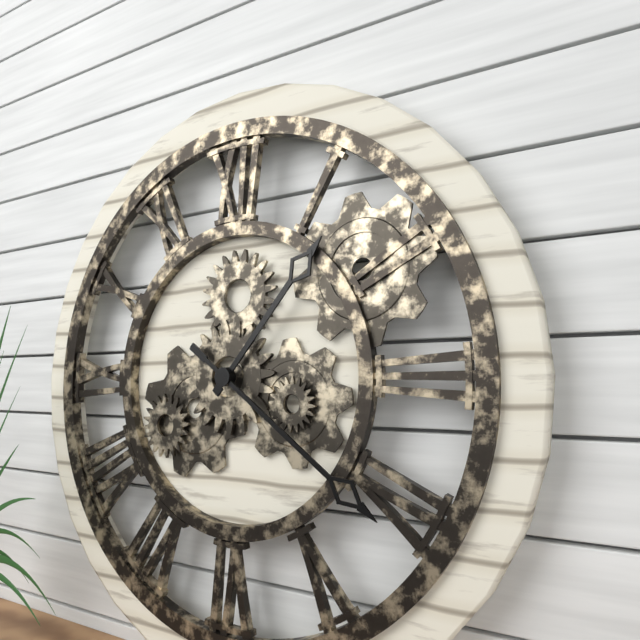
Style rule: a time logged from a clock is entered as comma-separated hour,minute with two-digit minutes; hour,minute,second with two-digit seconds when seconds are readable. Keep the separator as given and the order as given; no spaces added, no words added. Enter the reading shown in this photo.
1,21
